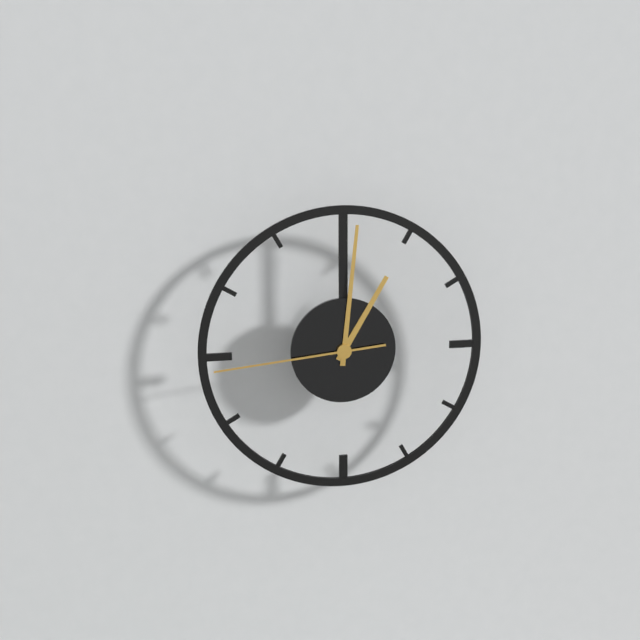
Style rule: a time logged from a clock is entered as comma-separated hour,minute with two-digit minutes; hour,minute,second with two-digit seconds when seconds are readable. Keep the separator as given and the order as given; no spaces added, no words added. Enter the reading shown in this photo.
1,01,44
